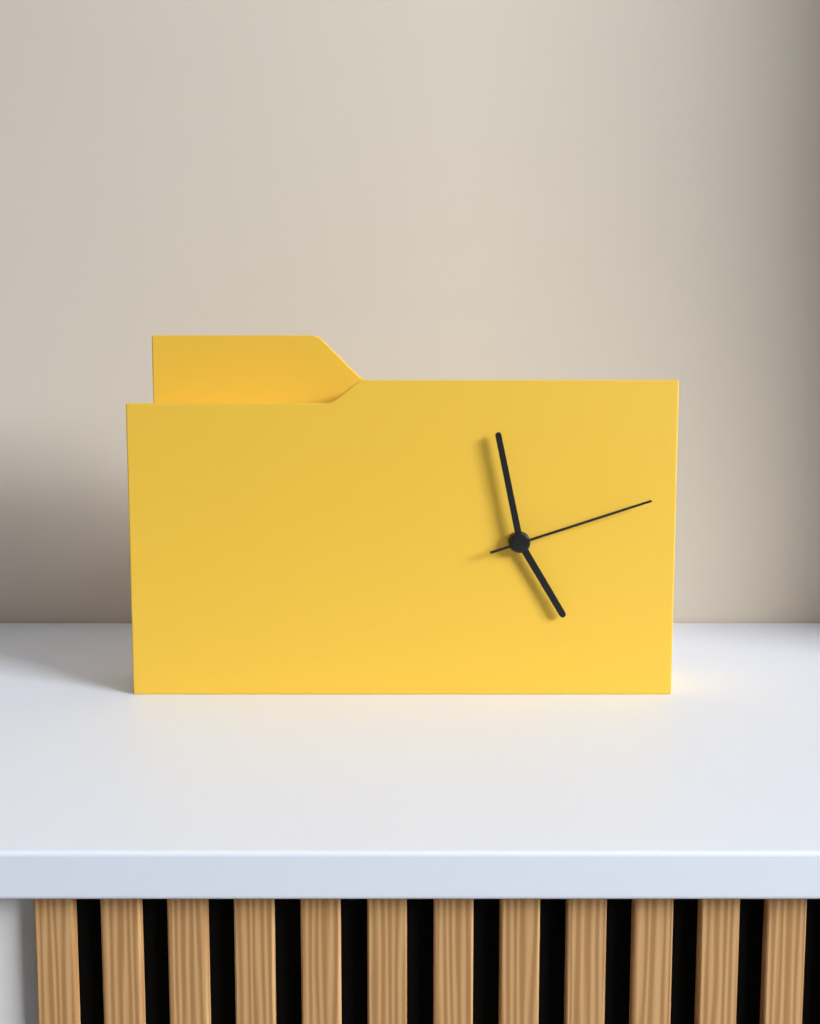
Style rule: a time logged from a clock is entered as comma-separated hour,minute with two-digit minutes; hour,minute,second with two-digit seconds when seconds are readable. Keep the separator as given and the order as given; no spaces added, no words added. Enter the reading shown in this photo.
4,58,12
